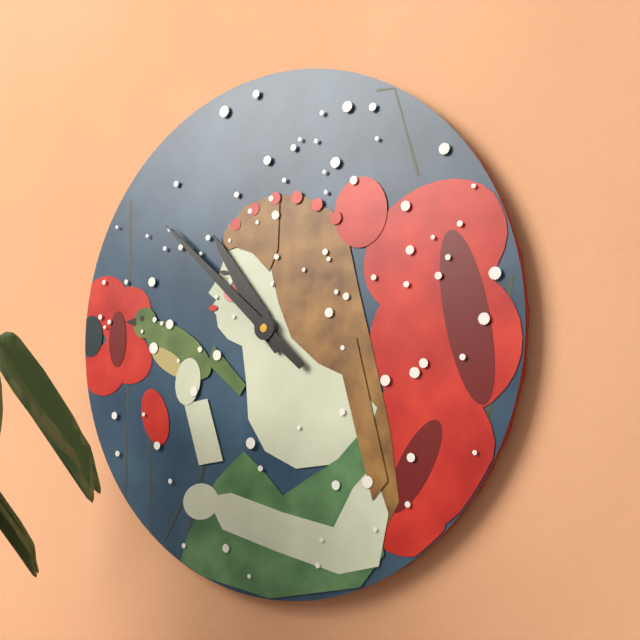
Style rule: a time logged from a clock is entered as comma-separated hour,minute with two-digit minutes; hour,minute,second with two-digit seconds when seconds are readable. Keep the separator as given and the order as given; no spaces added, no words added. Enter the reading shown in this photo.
10,52
